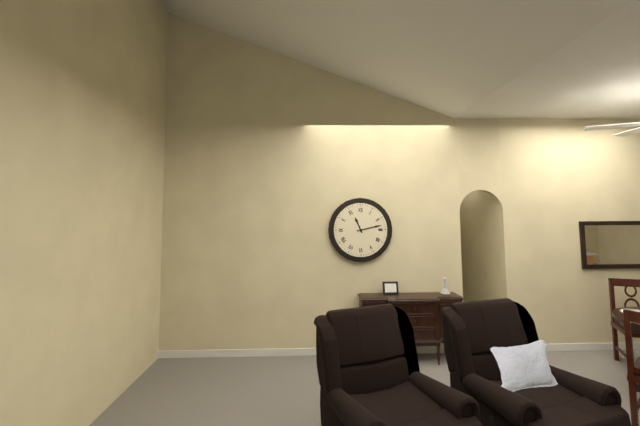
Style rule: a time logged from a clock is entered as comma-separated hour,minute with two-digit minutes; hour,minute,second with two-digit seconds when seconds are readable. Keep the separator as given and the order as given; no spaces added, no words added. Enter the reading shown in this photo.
11,13
